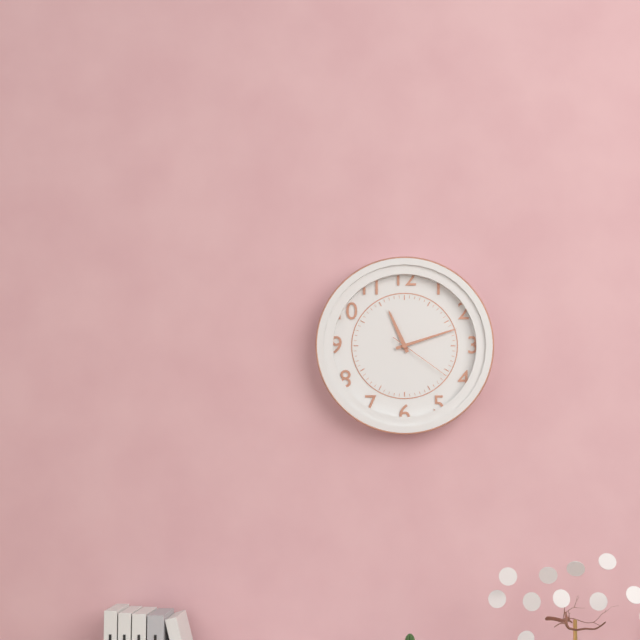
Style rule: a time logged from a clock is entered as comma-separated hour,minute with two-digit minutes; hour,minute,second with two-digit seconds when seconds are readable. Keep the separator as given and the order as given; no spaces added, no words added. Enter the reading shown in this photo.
11,12,21
